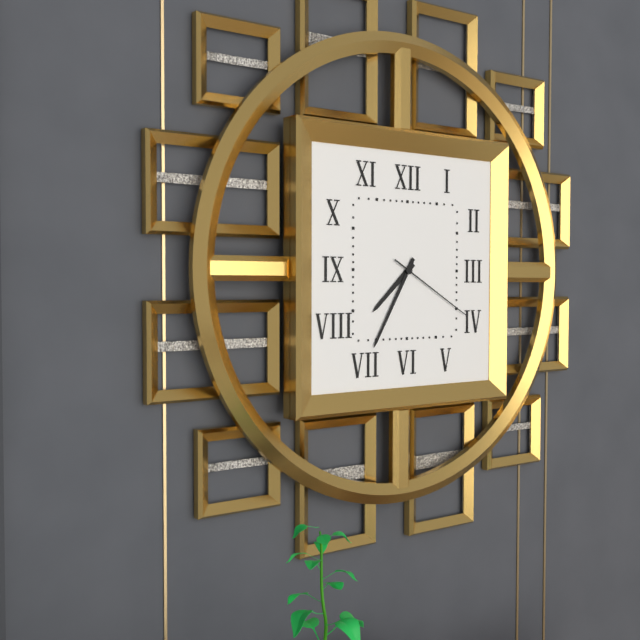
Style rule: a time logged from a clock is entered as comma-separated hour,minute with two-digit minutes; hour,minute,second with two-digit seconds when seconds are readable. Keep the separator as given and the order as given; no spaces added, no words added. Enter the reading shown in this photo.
7,35,20
